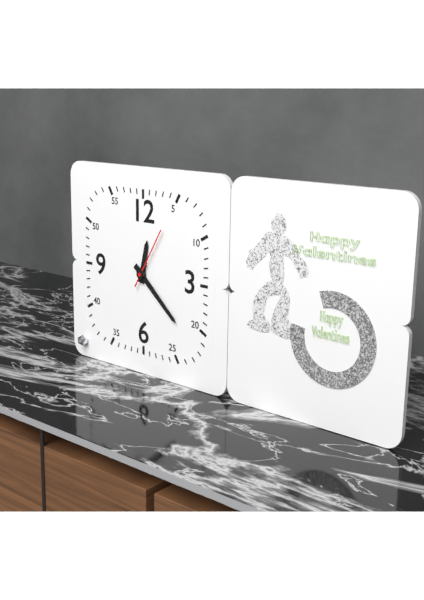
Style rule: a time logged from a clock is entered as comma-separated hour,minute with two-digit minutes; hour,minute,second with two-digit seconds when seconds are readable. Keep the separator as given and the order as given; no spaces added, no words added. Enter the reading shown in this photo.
12,22,05
